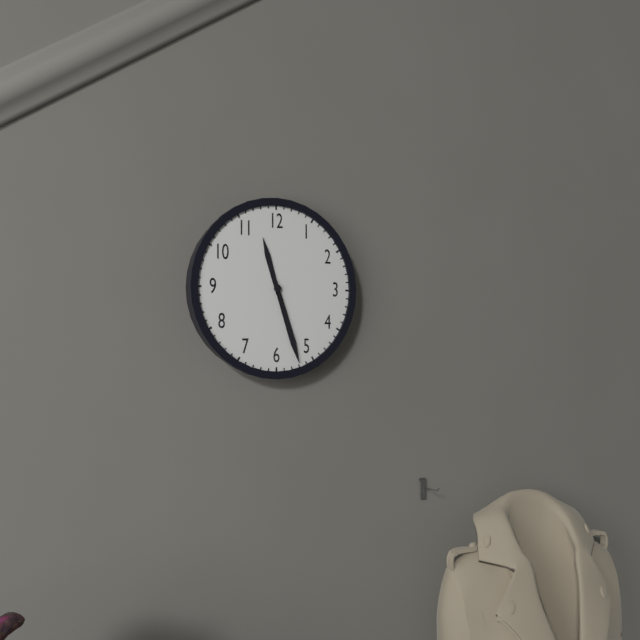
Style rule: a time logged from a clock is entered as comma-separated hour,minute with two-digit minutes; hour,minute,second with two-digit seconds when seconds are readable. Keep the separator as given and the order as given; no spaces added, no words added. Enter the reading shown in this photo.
11,27
